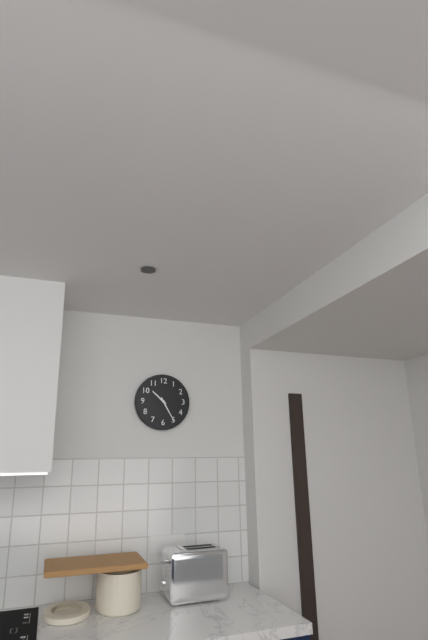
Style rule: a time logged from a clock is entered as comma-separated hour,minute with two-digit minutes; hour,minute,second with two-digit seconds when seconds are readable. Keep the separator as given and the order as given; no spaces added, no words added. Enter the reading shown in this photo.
10,25
